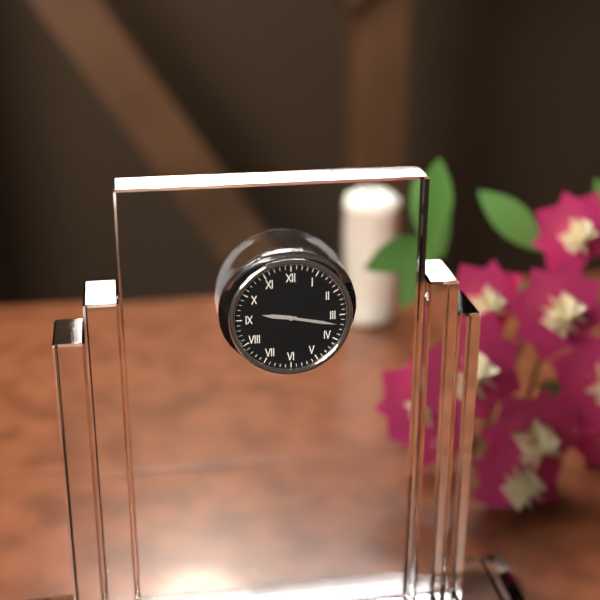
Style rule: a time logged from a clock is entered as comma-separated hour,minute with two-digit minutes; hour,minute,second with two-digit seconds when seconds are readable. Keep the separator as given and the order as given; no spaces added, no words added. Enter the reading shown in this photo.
9,17
